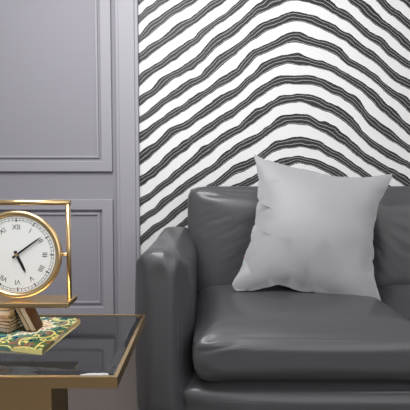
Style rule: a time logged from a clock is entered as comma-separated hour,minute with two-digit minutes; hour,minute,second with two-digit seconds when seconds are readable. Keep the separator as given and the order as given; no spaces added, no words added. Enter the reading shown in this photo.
5,09
